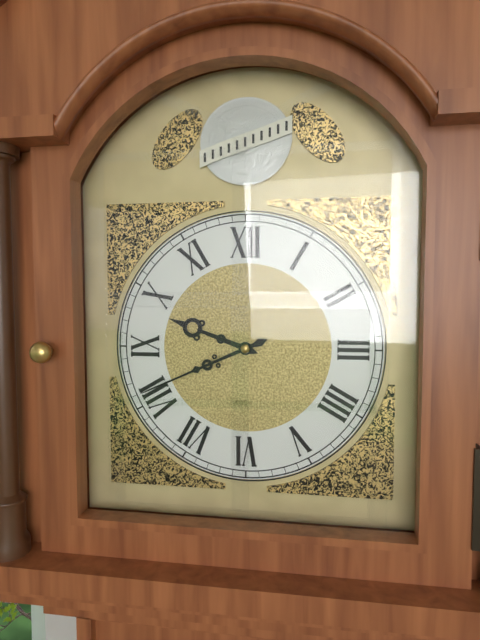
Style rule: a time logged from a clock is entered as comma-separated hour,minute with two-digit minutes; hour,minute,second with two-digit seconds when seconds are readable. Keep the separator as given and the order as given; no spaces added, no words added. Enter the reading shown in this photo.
9,41
